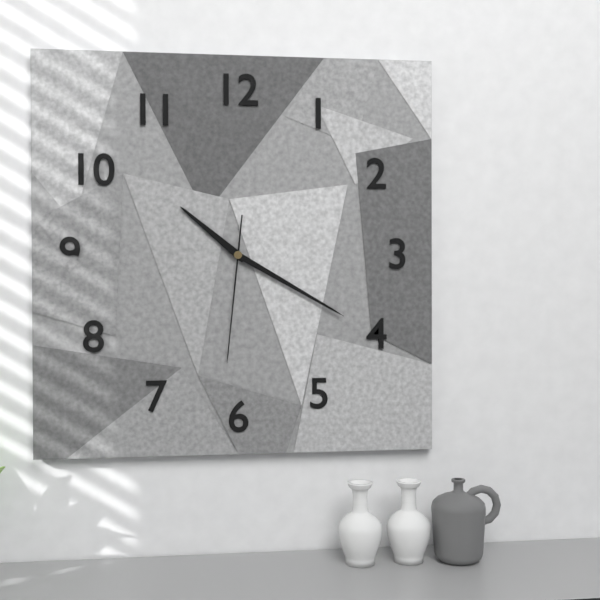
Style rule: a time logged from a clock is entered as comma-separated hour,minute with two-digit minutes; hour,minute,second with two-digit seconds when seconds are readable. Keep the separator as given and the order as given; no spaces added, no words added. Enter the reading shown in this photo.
10,20,31
